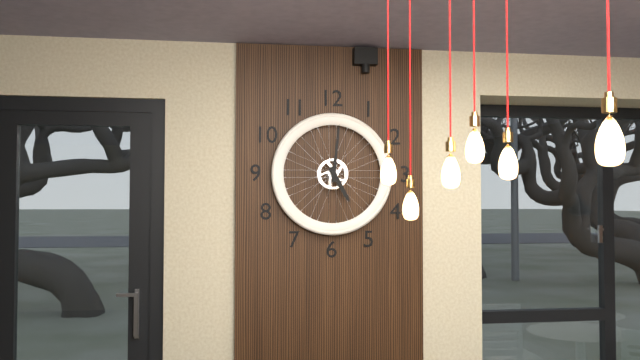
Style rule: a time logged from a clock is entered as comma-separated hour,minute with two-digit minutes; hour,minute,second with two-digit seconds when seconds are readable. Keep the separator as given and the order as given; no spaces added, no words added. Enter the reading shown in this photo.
5,01
